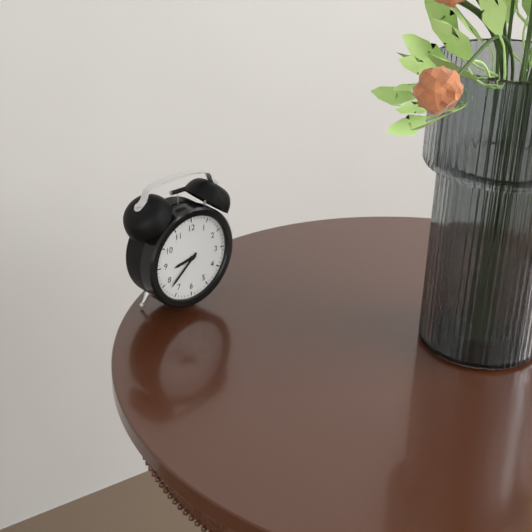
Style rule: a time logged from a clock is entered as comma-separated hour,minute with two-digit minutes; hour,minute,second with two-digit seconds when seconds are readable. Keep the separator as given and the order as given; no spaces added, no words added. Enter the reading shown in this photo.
8,38
